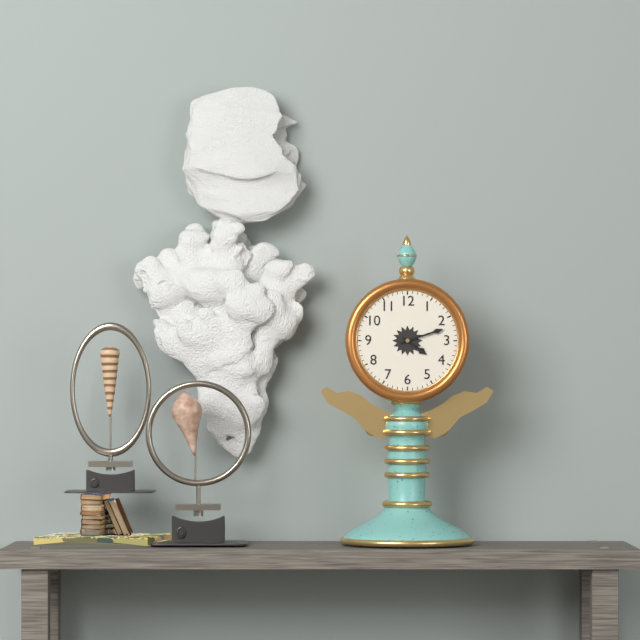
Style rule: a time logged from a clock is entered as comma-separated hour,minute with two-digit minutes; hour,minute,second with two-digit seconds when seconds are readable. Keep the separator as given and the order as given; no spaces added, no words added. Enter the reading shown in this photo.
4,12
